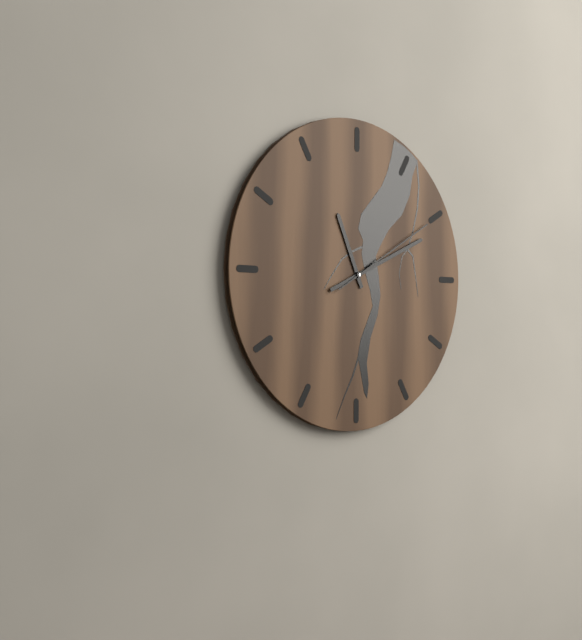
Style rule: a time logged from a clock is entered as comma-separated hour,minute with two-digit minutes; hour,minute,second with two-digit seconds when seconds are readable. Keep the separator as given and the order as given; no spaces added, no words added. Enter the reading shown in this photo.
11,11,10
